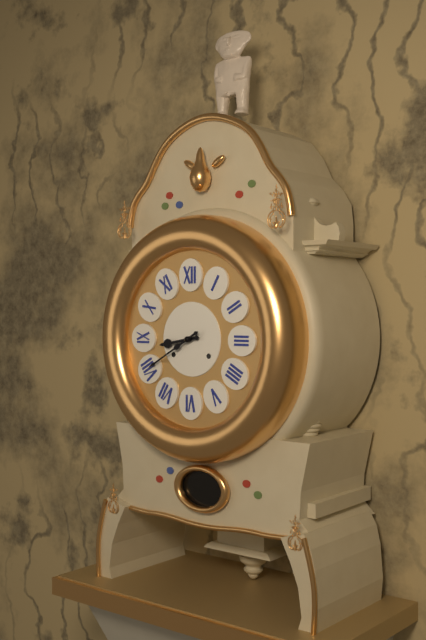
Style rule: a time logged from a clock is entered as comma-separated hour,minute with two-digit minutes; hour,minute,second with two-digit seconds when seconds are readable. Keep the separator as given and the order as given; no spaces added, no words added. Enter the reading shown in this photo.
8,40
